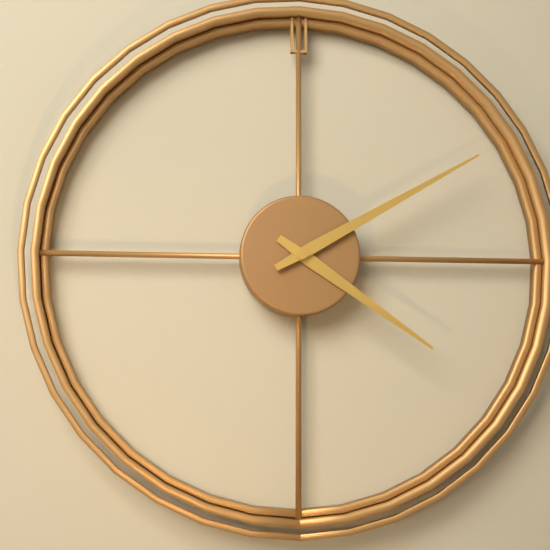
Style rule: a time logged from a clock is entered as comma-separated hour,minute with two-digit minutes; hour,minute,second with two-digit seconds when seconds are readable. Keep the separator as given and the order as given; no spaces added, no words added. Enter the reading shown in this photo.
4,10
